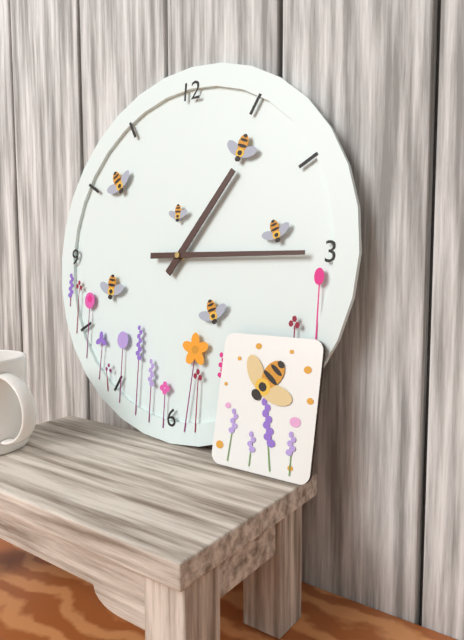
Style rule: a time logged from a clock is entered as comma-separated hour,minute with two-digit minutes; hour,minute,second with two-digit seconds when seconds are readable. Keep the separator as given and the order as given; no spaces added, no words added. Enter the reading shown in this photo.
1,15
